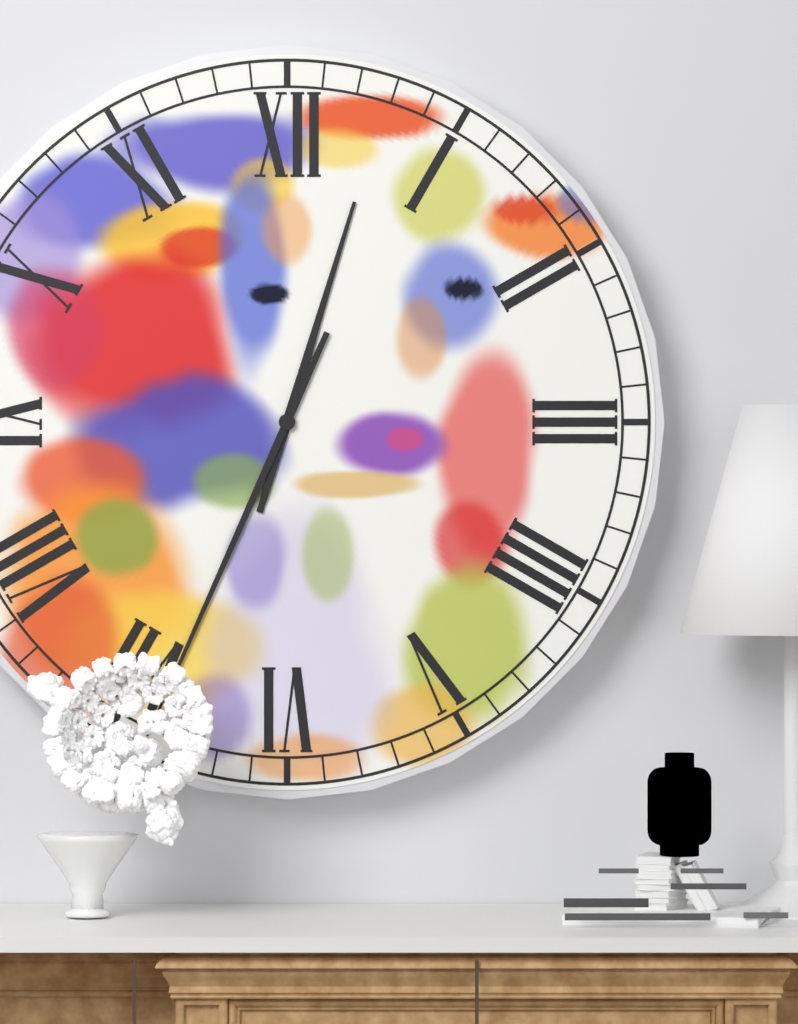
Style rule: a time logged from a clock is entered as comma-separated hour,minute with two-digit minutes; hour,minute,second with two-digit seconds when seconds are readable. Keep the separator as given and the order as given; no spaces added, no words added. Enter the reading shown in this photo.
12,34
